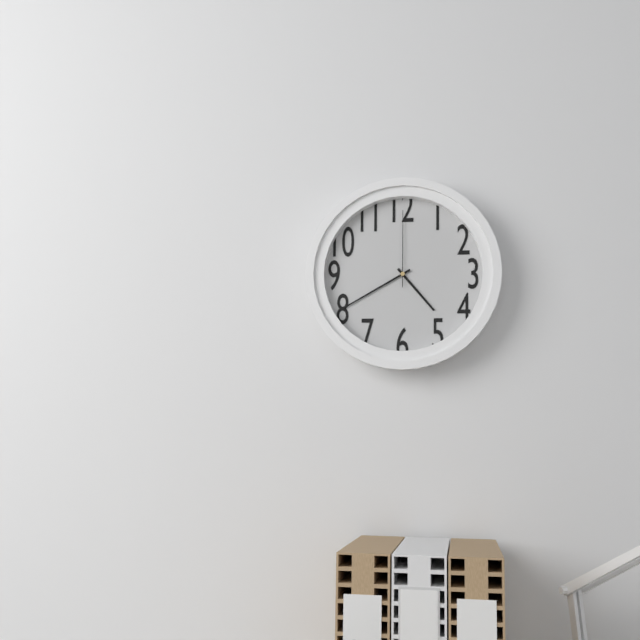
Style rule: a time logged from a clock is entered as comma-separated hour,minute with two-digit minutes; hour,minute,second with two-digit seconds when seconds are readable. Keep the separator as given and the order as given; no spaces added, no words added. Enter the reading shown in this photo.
4,40,00
